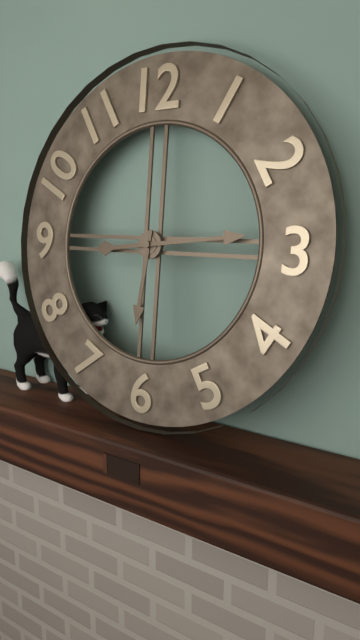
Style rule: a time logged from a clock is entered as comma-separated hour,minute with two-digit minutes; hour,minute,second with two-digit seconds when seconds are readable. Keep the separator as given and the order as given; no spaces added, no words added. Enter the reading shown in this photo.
6,14
